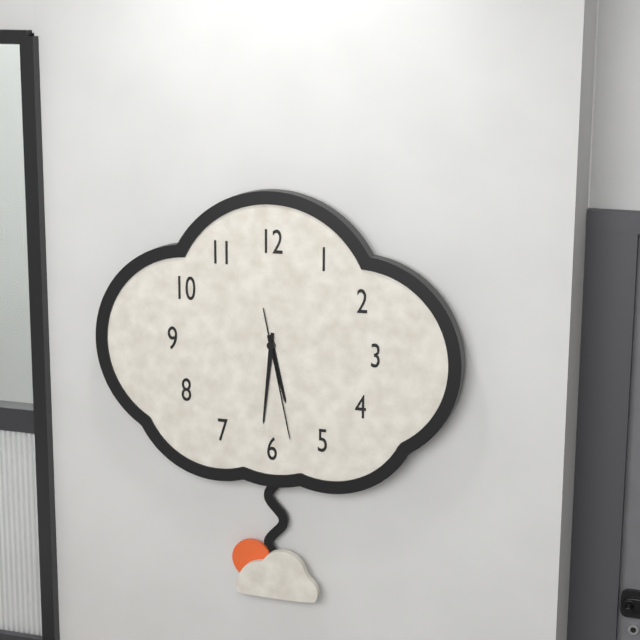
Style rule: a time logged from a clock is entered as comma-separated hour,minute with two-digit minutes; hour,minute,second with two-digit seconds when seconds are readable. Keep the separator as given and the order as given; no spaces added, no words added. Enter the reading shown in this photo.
5,31,28
